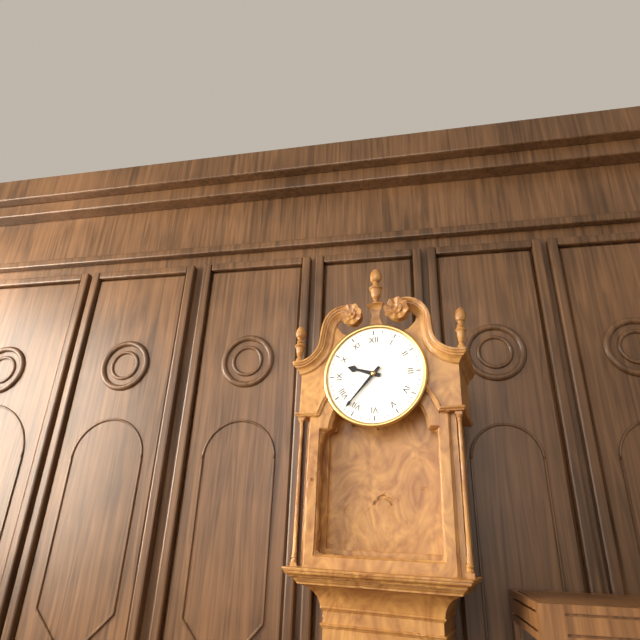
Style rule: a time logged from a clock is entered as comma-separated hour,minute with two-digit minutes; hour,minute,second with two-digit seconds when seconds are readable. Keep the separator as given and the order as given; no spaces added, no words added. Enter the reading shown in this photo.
9,37
